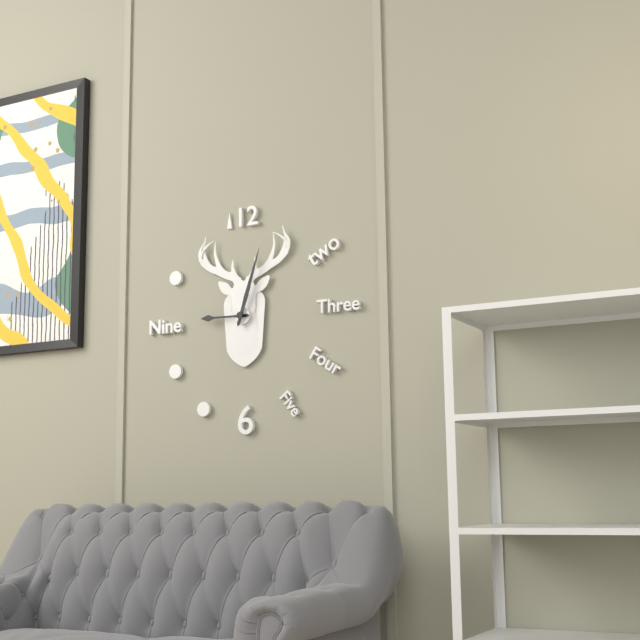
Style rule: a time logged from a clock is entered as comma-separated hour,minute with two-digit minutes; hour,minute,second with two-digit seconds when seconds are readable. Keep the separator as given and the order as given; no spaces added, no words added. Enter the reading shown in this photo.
9,03
